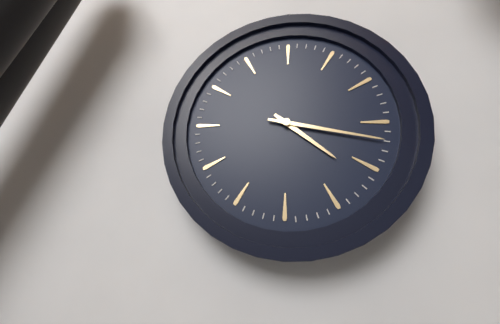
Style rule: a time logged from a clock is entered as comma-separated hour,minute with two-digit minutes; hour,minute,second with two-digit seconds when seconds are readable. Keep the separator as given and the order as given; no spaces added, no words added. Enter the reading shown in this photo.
4,17
